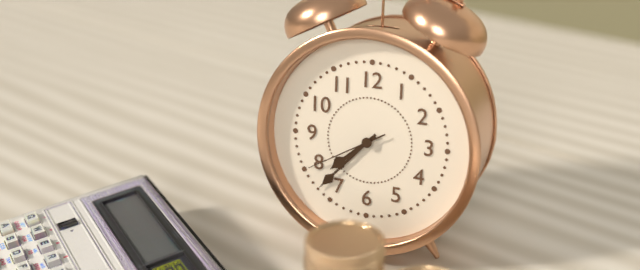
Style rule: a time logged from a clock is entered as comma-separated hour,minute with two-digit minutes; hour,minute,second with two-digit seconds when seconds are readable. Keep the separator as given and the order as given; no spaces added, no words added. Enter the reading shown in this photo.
7,37,40
